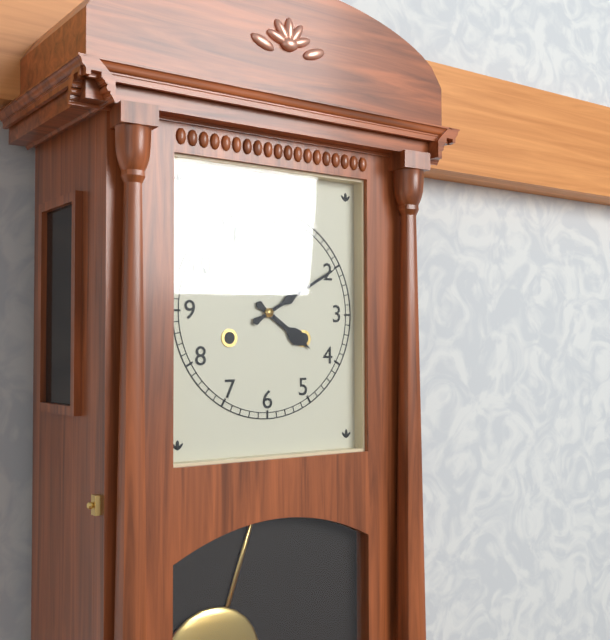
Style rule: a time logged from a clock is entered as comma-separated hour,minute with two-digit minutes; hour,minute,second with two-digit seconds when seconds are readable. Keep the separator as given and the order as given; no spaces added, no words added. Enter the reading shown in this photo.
4,10
